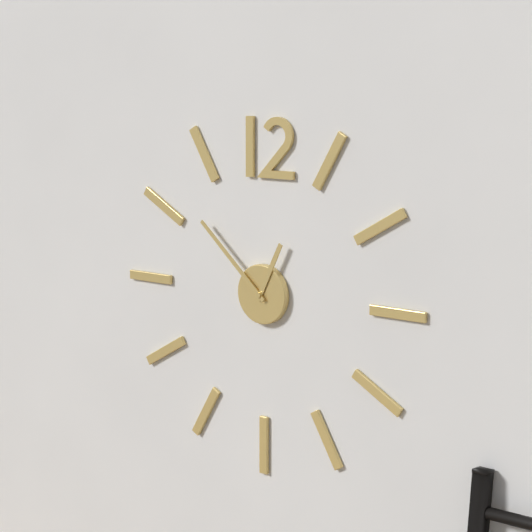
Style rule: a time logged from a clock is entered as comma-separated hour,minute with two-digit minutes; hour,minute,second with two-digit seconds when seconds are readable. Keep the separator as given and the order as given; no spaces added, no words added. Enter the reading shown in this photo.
12,52
